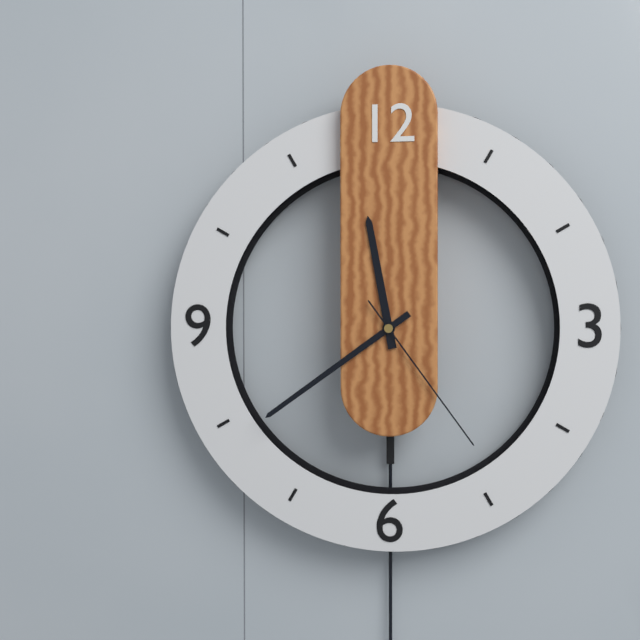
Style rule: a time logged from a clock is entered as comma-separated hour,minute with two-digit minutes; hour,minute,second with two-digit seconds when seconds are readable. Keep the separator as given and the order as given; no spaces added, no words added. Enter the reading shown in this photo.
11,39,24
